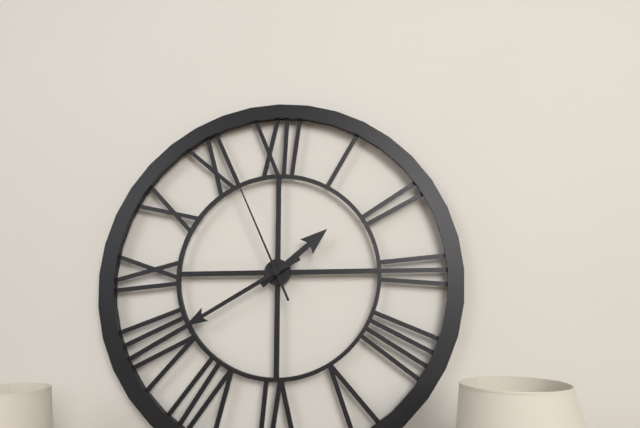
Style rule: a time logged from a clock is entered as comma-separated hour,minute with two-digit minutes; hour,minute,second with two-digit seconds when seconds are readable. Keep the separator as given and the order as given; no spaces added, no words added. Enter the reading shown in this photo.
1,40,56
